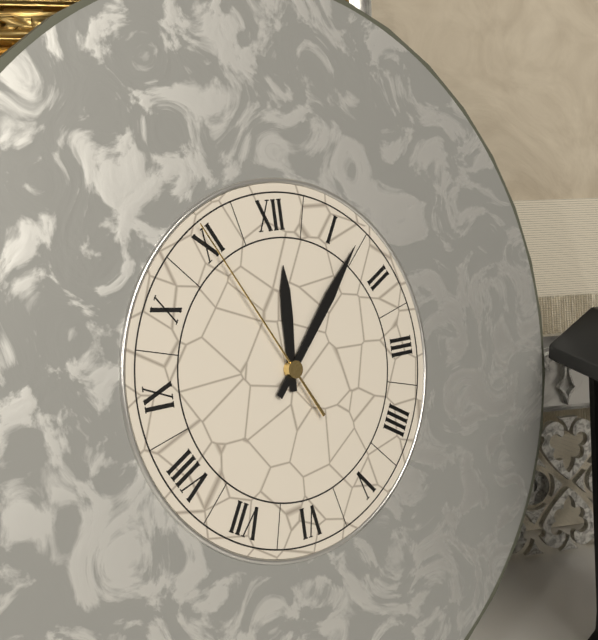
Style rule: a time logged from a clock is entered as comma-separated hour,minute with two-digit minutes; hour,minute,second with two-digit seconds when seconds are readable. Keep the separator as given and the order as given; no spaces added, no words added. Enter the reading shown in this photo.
12,07,55
